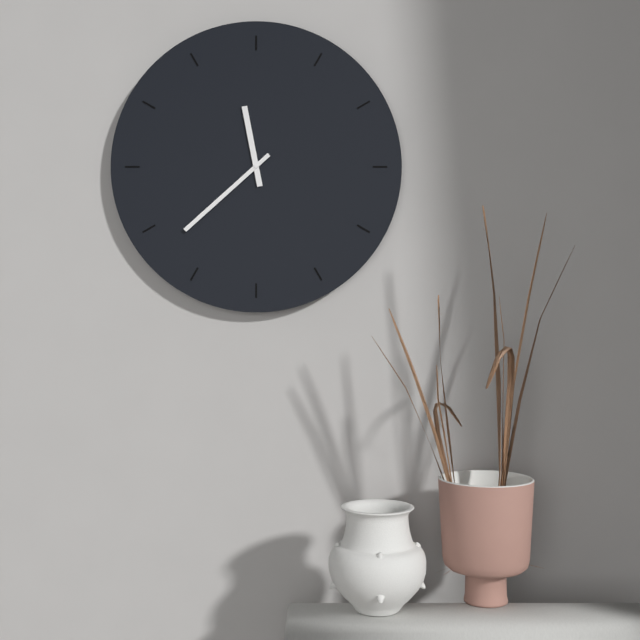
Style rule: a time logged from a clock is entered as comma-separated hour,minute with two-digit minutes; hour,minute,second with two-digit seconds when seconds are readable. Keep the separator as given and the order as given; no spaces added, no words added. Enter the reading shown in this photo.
11,38
